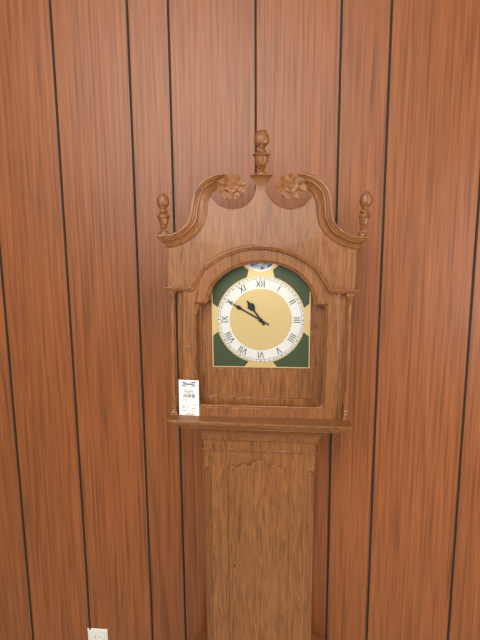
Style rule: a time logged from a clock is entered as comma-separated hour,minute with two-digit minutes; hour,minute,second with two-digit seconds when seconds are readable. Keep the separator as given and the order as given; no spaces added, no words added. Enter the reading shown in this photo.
10,50
